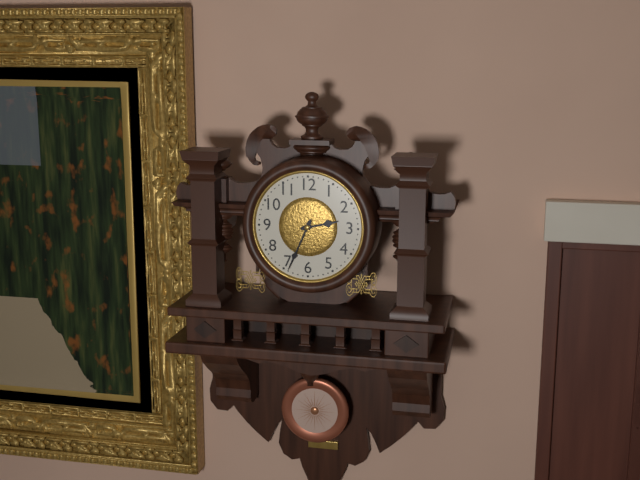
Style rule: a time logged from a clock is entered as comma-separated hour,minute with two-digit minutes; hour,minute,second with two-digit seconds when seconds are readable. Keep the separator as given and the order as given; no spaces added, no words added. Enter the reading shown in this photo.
2,34
